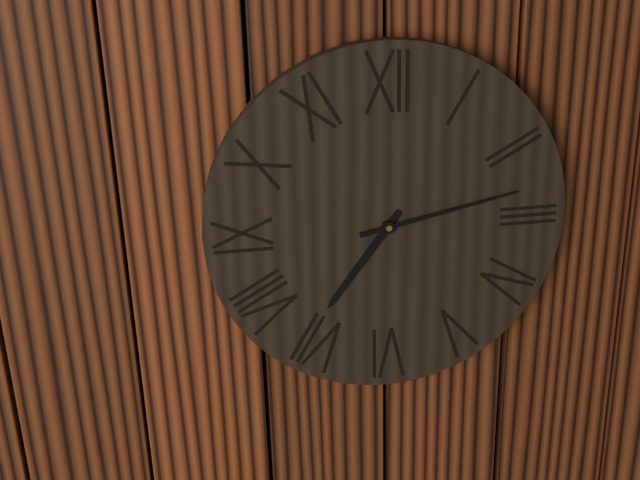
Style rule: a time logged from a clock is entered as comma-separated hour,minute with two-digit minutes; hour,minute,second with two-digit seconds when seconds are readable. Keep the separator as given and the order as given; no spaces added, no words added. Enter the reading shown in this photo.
7,13
